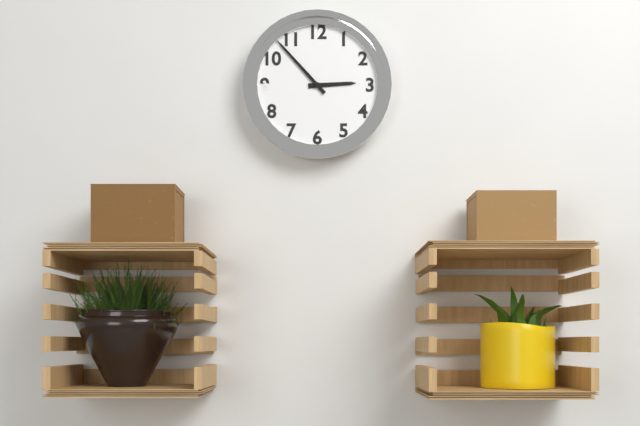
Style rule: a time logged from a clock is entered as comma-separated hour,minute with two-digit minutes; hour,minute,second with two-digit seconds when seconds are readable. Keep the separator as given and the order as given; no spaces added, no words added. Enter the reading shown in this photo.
2,53
